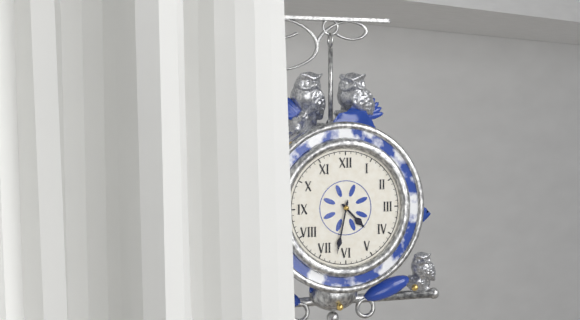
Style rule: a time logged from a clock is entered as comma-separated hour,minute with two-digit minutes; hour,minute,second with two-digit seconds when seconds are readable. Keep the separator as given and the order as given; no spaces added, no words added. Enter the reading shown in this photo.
4,32
